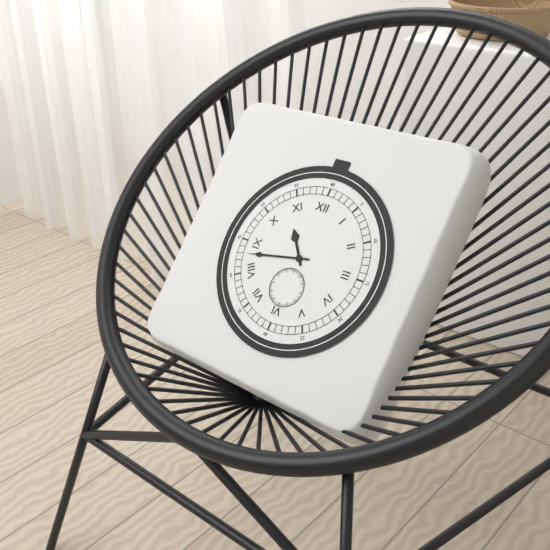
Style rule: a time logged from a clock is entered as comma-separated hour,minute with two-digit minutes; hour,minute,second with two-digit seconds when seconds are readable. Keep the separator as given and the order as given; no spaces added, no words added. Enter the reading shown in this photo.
10,43
